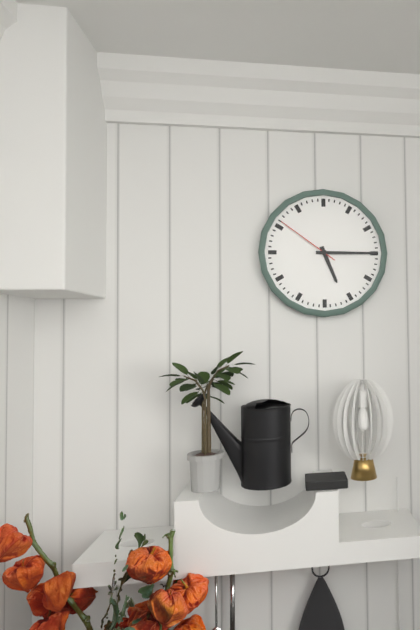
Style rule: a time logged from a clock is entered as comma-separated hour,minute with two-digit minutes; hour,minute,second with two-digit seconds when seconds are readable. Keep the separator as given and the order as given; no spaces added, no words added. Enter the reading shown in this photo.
5,15,51
